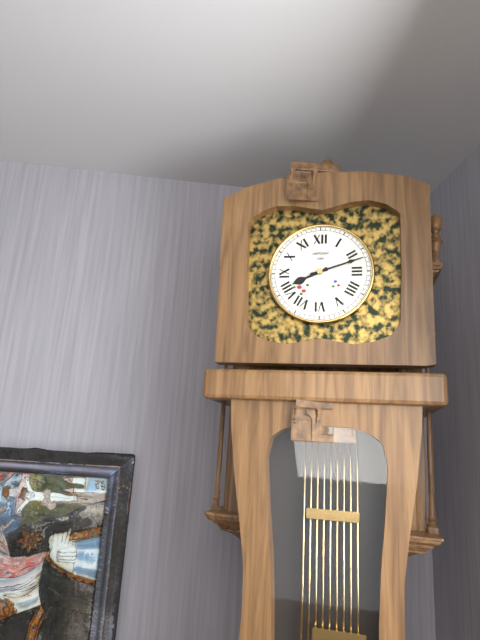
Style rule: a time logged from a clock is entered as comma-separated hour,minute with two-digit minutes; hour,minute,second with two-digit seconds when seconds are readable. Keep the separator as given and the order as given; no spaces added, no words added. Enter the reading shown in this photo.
8,12
